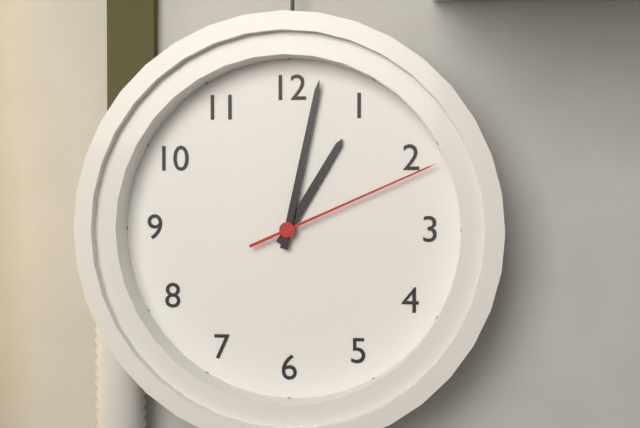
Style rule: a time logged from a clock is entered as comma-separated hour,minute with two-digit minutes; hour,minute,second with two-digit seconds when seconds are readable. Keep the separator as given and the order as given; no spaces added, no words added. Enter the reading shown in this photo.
1,02,11
